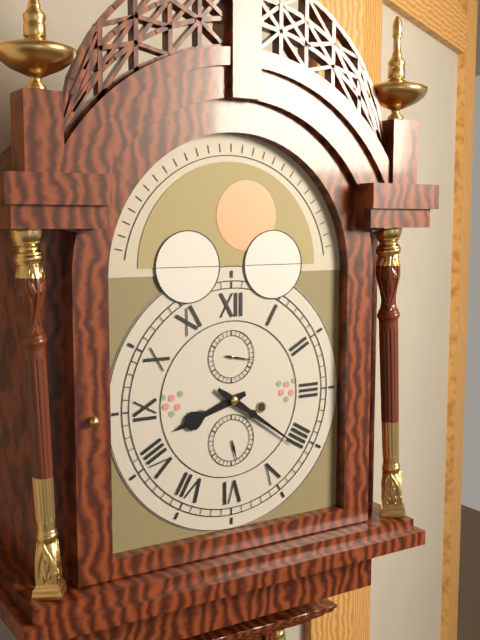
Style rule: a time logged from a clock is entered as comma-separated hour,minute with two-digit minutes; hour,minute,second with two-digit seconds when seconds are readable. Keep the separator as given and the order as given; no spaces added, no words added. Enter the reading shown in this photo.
8,21
